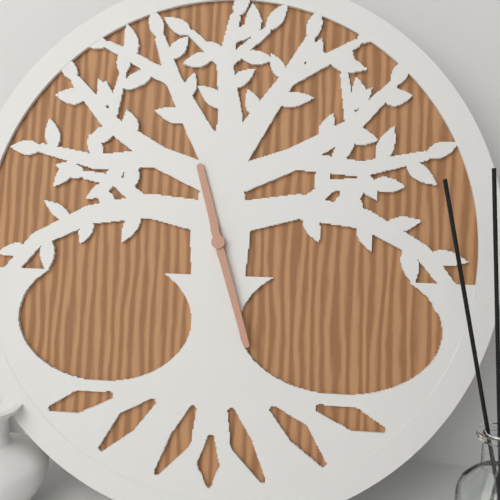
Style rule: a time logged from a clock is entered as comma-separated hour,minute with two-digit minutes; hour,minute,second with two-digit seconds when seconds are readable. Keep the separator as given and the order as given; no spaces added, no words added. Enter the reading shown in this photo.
11,27
